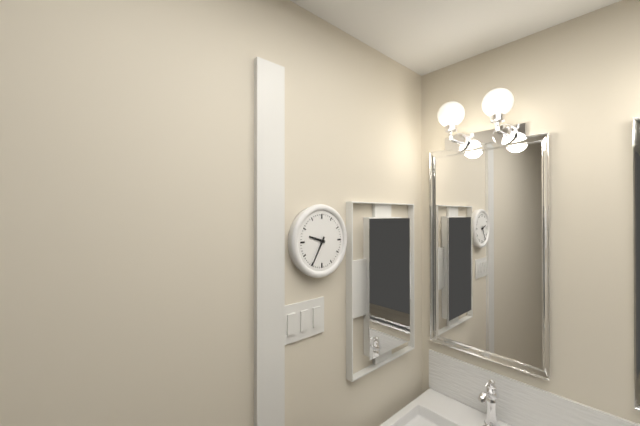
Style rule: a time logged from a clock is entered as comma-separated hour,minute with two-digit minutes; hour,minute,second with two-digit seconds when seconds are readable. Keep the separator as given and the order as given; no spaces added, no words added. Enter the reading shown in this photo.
9,35
